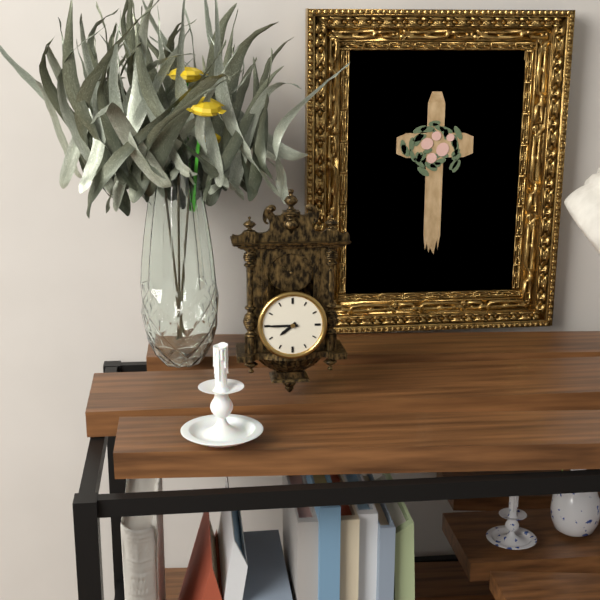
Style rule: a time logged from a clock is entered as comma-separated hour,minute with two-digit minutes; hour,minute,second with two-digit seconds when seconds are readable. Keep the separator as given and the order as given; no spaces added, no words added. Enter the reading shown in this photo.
7,45
